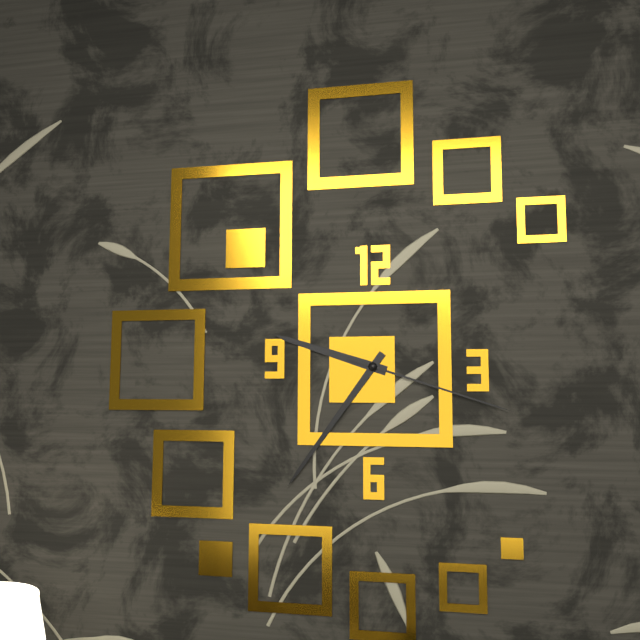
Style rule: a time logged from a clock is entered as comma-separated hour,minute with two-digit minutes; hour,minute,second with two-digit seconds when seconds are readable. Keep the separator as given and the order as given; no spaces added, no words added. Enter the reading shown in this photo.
9,36,18
